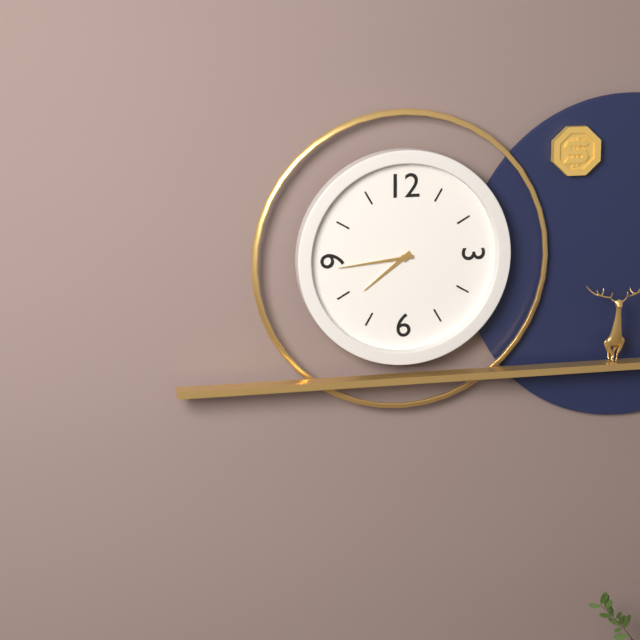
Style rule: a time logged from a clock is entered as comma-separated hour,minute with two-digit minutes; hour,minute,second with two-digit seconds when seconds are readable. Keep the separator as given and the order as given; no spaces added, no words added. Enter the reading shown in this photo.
7,44
